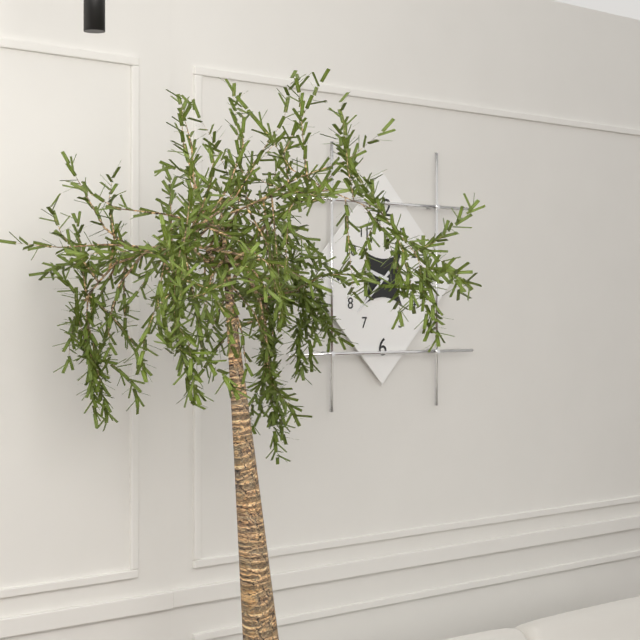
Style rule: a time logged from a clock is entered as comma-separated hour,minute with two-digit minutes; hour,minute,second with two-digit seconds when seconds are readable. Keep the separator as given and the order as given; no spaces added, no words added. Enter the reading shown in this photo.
9,38
